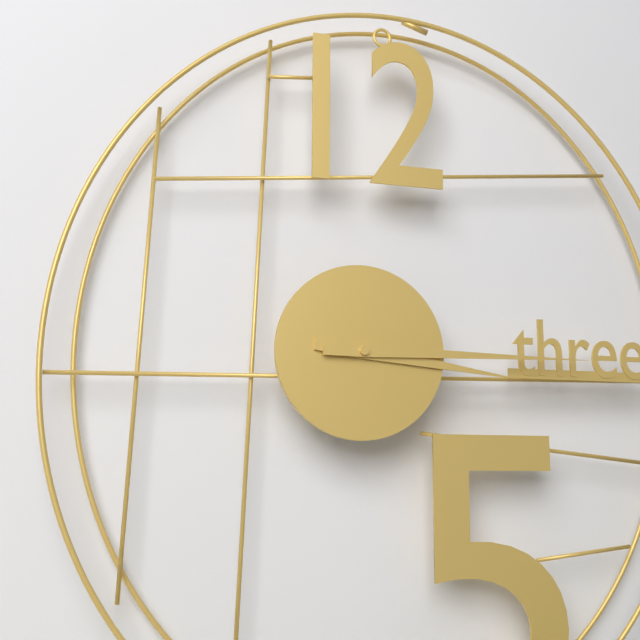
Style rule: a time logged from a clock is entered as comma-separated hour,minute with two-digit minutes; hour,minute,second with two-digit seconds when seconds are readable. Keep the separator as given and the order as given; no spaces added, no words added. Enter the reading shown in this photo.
3,15
